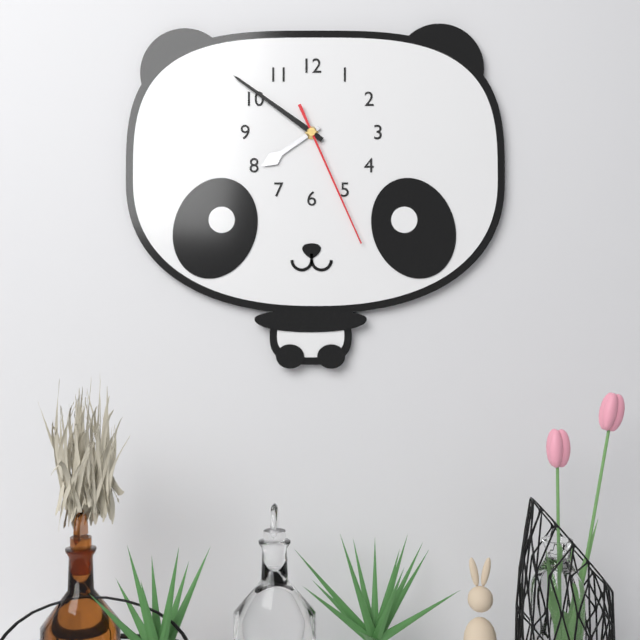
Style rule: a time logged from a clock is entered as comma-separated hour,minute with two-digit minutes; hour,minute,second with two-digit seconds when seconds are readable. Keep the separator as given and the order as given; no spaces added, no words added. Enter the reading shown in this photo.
7,51,26
